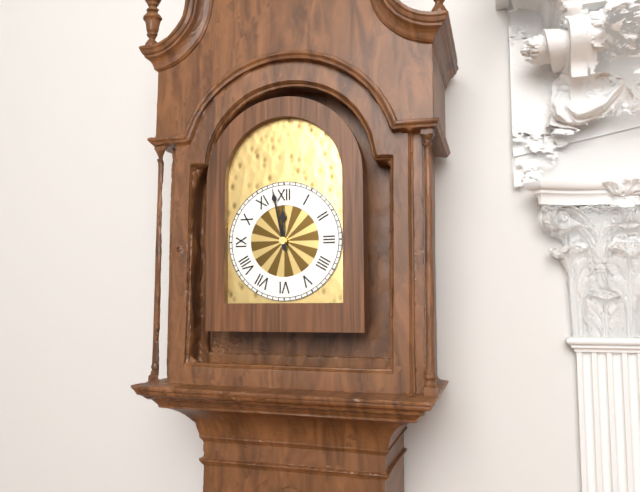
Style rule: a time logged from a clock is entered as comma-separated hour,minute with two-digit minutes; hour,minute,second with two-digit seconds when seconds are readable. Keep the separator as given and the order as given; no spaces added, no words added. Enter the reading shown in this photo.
11,58
